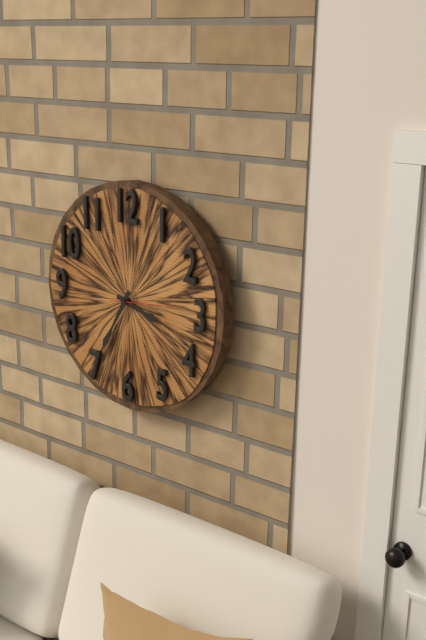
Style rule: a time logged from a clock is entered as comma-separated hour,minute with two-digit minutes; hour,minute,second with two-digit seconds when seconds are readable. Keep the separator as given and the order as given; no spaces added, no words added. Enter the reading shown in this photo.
3,35
